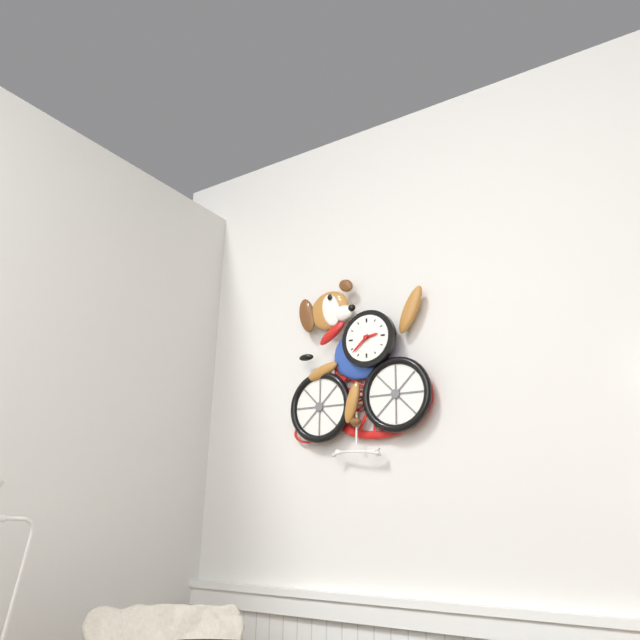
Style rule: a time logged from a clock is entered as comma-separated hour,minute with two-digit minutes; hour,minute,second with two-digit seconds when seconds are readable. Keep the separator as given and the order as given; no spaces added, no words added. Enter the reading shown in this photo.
2,38
